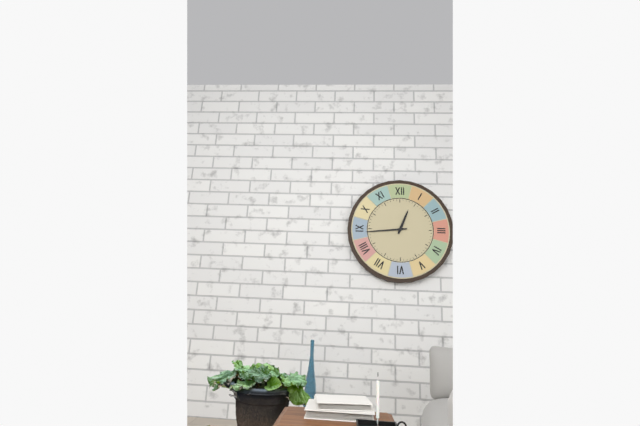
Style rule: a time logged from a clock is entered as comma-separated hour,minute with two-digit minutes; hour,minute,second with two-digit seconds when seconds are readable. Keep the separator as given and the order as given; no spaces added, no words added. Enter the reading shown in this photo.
12,44
